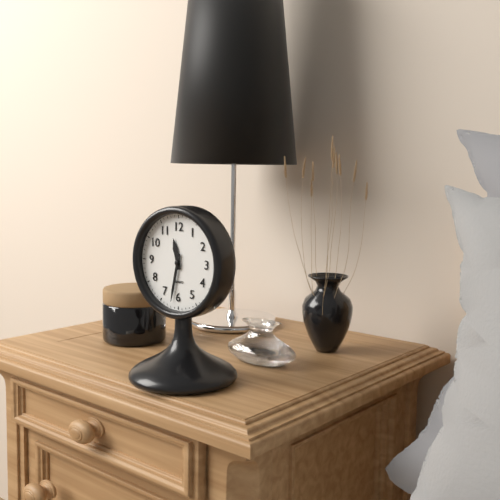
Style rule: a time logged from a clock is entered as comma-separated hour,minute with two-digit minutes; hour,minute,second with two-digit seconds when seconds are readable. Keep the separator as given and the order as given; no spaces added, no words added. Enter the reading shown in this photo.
11,32
